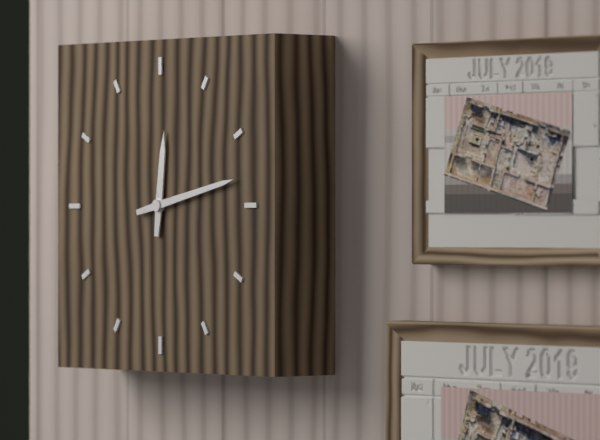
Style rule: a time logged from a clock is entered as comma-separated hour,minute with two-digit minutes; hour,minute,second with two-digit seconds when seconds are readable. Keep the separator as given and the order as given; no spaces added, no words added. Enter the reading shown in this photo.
12,13
